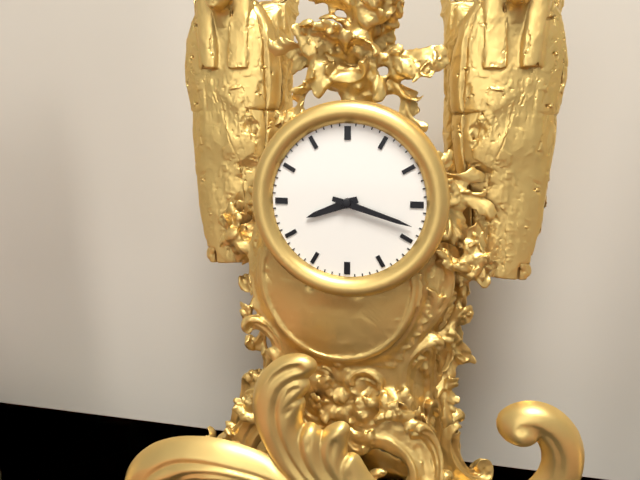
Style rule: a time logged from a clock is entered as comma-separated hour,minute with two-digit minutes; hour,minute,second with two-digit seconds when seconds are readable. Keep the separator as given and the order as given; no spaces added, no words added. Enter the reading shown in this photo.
8,18
